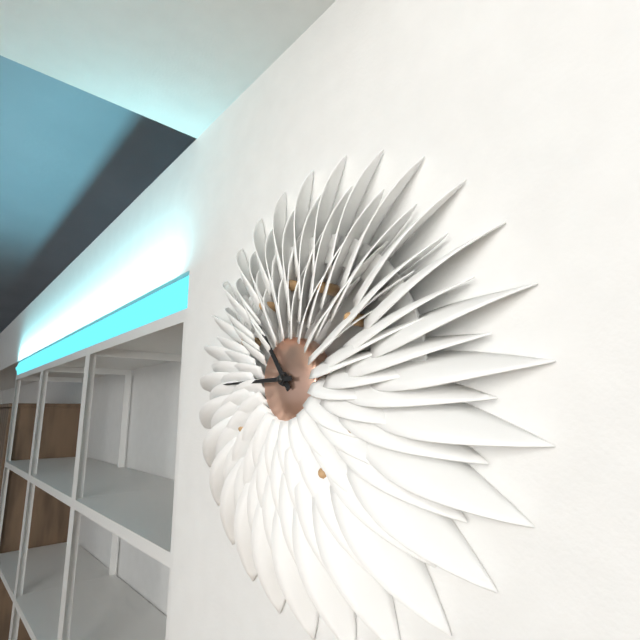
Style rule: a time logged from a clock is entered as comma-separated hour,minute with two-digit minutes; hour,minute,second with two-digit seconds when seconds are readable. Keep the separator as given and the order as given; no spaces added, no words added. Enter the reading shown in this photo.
10,45
